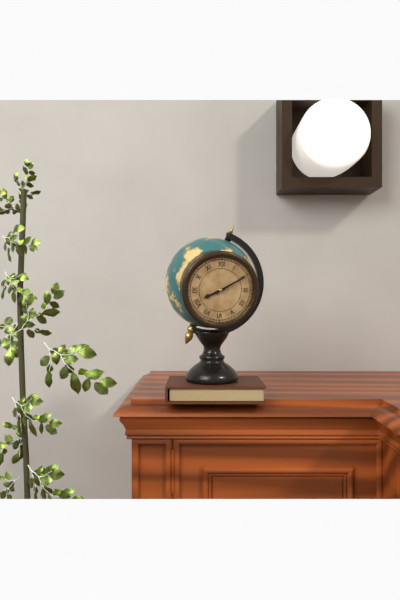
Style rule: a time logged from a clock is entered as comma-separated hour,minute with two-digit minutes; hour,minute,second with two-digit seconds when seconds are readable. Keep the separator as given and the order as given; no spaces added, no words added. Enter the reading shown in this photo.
8,10
